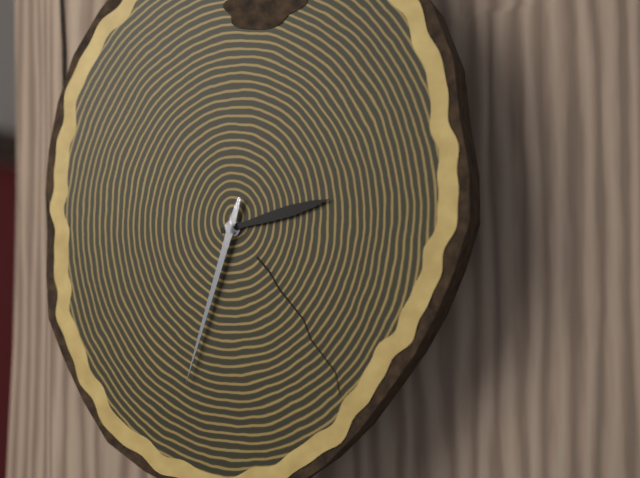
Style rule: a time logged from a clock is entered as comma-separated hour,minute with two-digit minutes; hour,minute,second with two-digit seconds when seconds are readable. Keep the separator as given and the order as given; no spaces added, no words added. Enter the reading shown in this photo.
2,33
